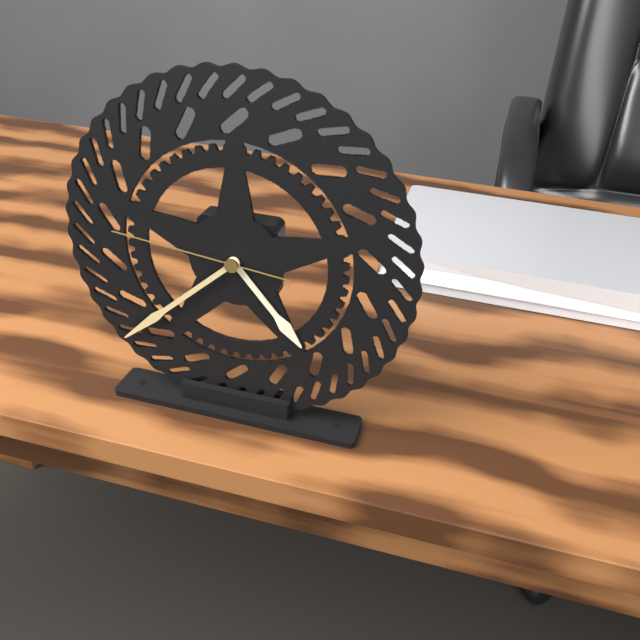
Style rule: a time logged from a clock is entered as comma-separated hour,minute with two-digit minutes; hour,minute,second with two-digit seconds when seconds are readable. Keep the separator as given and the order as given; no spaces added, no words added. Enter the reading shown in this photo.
4,38,46
